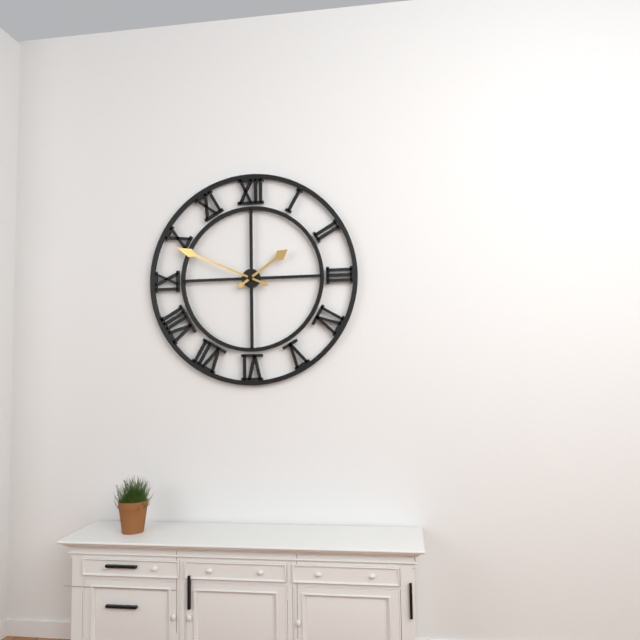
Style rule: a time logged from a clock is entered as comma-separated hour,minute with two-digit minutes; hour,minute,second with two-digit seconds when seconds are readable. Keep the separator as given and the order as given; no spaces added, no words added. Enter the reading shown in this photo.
1,49
